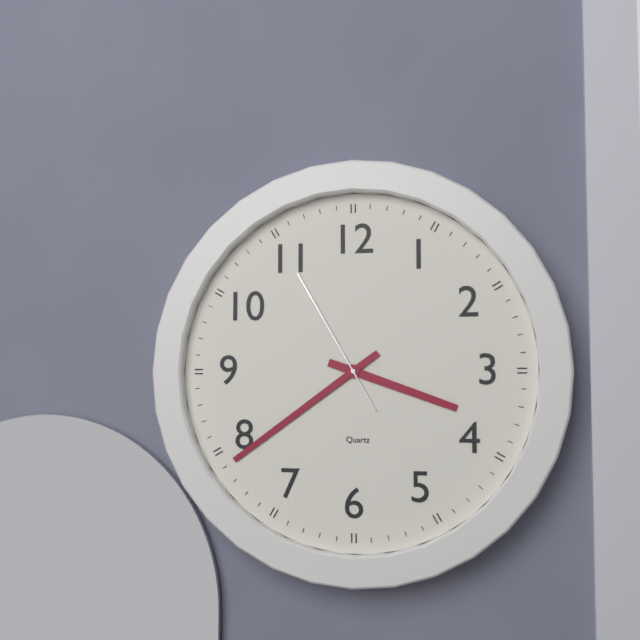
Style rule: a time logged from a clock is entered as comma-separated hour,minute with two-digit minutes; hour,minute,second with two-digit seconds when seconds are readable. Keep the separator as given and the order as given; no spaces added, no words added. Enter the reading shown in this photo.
3,39,55
